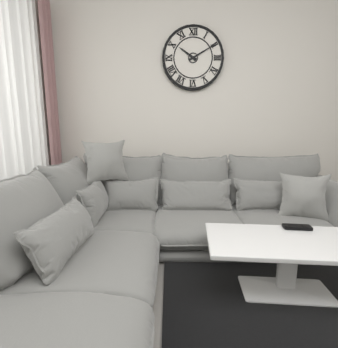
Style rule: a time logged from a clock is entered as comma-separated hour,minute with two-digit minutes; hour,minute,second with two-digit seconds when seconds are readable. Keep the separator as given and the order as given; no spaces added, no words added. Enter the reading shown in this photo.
10,10
